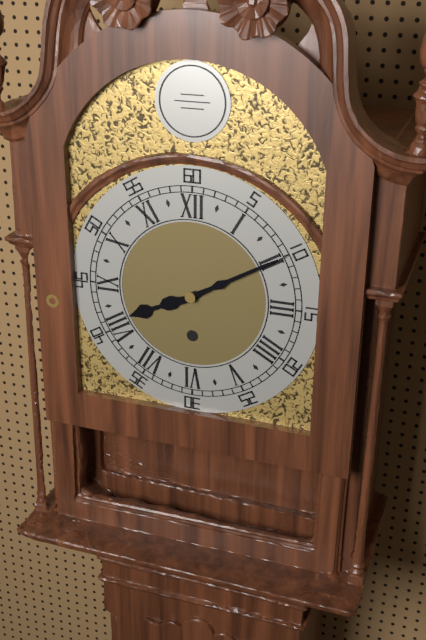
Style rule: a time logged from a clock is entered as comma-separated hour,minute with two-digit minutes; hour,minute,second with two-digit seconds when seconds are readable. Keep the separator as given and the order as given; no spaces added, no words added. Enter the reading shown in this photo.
8,10
